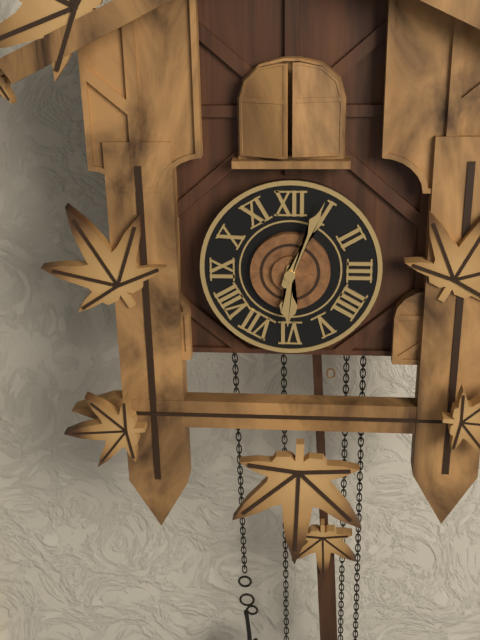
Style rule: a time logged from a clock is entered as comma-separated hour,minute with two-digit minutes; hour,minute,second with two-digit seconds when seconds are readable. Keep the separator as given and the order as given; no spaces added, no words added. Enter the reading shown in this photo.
6,04
